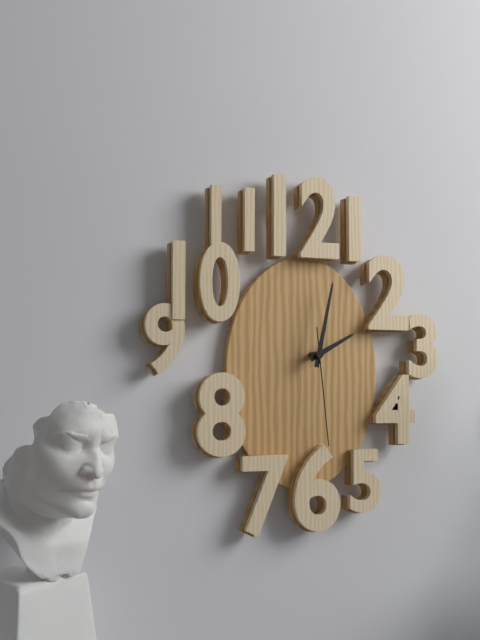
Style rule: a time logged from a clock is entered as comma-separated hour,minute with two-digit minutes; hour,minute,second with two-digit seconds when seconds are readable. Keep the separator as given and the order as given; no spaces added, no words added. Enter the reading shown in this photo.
2,02,29
